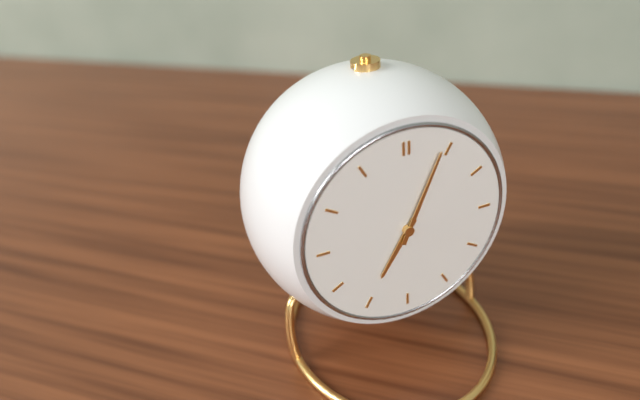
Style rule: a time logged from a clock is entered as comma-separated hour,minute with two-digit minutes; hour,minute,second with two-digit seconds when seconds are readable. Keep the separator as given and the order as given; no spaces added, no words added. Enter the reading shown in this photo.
7,04
